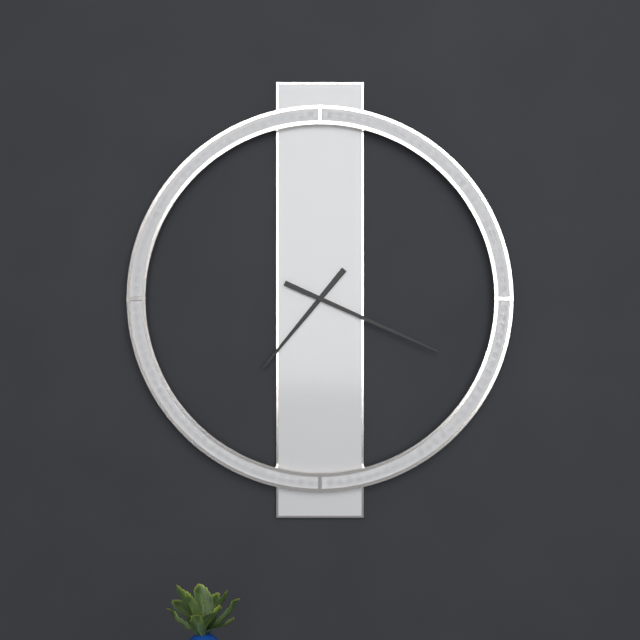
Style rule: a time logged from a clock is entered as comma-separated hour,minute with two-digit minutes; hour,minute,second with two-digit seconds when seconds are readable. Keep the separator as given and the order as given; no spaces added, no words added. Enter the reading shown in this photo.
7,19
